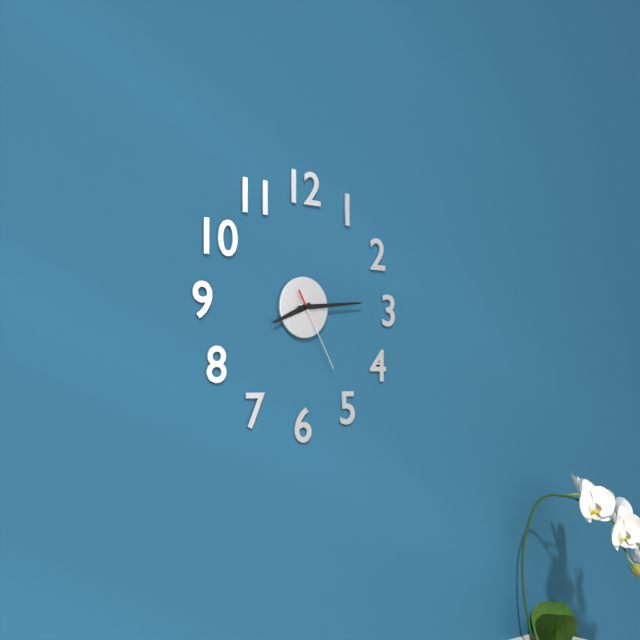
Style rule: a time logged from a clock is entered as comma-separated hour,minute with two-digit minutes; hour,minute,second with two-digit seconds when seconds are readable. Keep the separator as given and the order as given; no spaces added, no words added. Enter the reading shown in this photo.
8,14,25
